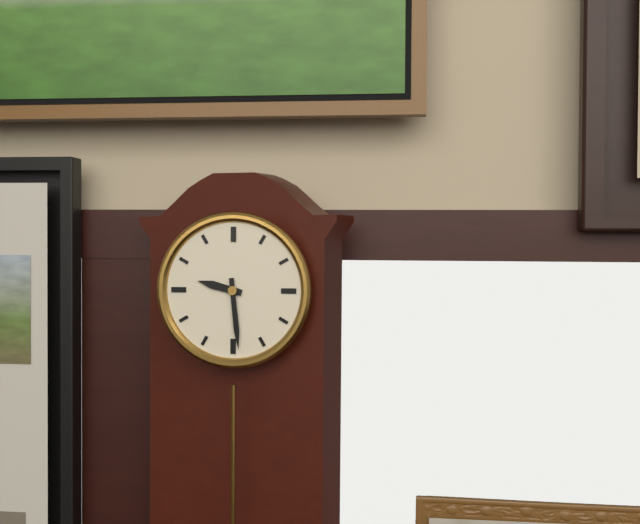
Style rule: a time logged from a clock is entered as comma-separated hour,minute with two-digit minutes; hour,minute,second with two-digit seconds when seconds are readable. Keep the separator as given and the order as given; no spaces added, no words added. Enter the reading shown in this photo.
9,29
